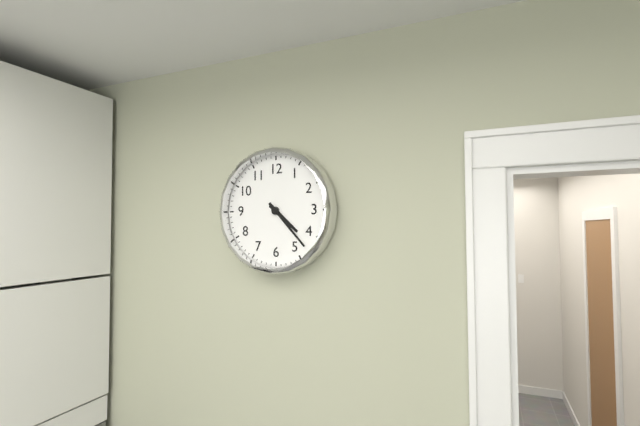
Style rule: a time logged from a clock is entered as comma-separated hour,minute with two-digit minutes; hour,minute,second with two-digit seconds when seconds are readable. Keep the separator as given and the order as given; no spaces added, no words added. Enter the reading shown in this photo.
4,23
